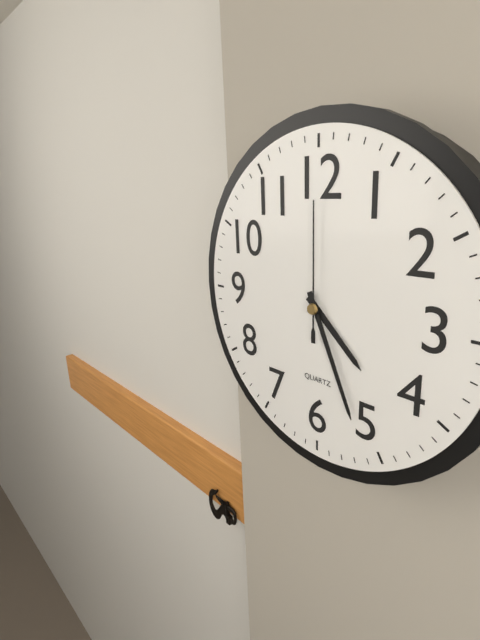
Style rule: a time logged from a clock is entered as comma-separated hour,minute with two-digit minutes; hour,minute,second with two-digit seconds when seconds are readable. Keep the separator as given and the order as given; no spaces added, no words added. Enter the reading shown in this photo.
4,26,00
